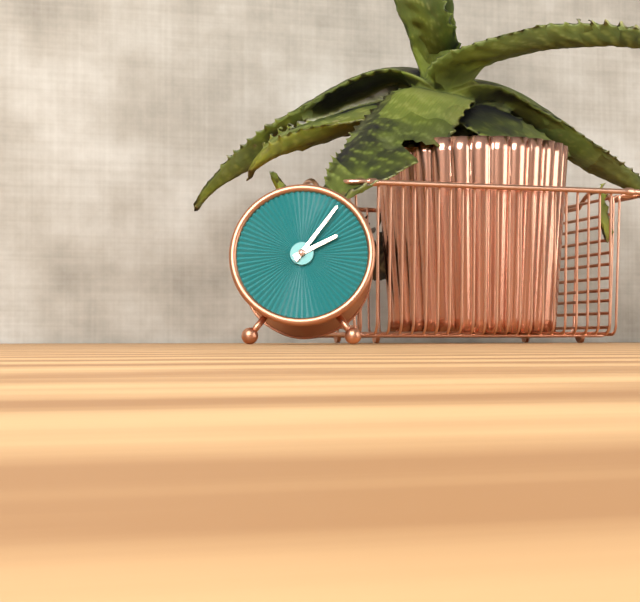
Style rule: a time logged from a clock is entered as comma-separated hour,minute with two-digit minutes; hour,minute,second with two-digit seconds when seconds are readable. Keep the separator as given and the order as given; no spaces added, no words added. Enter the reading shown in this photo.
2,06
